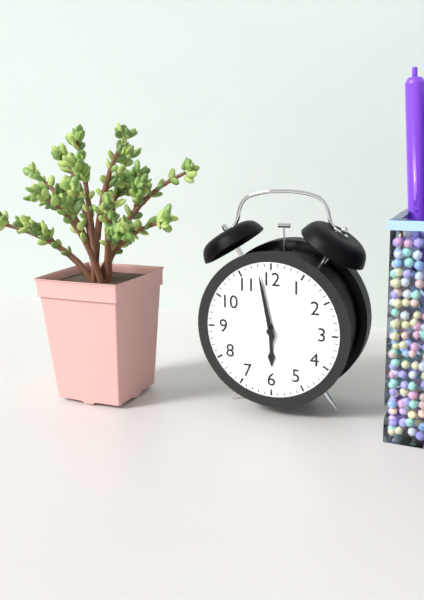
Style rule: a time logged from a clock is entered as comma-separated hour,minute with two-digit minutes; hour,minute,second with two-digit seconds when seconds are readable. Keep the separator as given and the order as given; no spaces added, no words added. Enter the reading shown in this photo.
5,58
